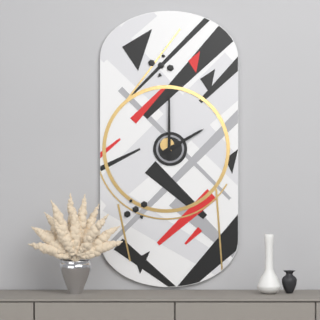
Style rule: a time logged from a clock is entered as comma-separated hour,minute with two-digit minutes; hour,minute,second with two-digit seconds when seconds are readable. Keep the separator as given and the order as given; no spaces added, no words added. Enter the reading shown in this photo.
2,00
